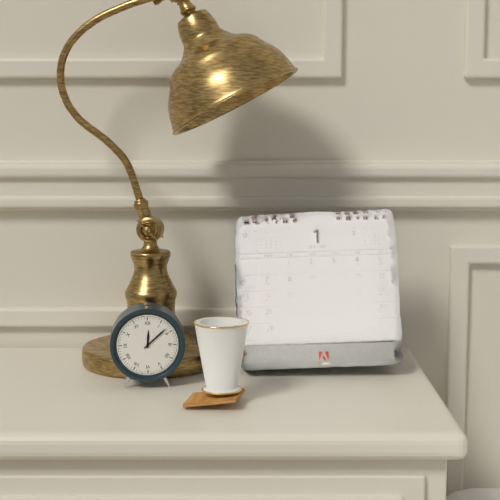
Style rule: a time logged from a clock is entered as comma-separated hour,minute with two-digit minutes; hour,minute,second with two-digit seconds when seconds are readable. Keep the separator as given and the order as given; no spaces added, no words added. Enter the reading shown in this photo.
12,08
